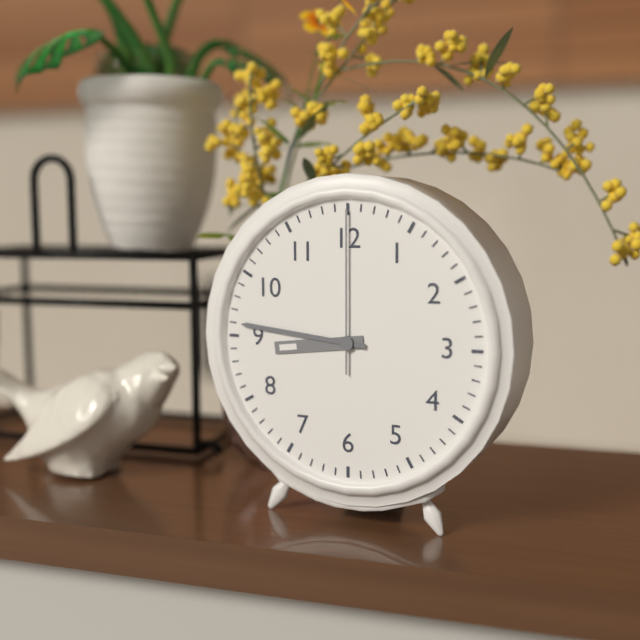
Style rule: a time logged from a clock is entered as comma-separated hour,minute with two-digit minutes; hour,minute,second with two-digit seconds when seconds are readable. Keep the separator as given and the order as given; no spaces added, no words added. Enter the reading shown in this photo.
8,46,00
